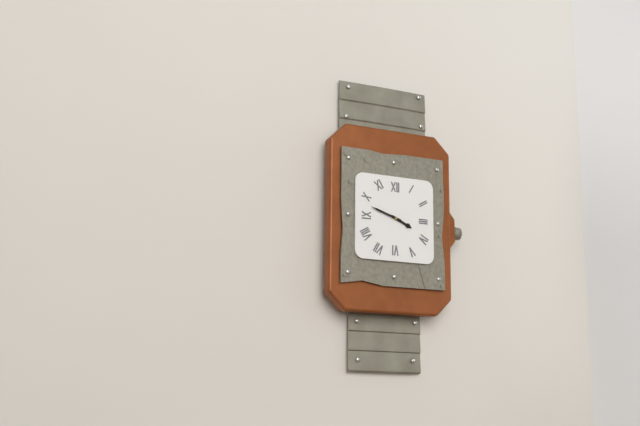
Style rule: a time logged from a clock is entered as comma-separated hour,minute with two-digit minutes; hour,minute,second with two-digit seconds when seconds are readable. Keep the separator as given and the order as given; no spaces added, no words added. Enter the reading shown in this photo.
3,48
